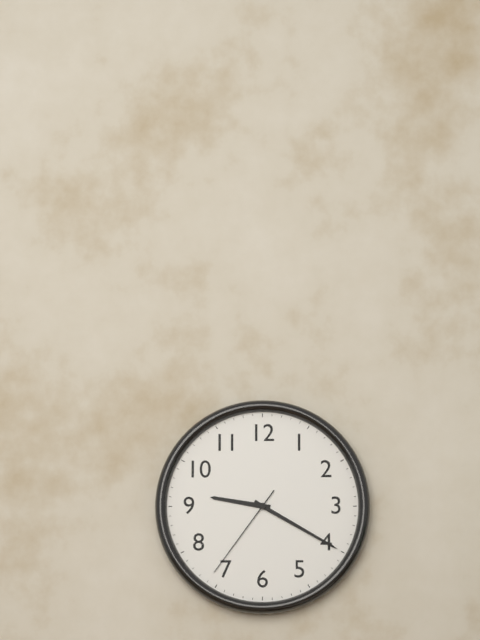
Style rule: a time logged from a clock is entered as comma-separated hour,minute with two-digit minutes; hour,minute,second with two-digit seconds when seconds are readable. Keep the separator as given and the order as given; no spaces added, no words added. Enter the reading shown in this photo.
9,20,36
